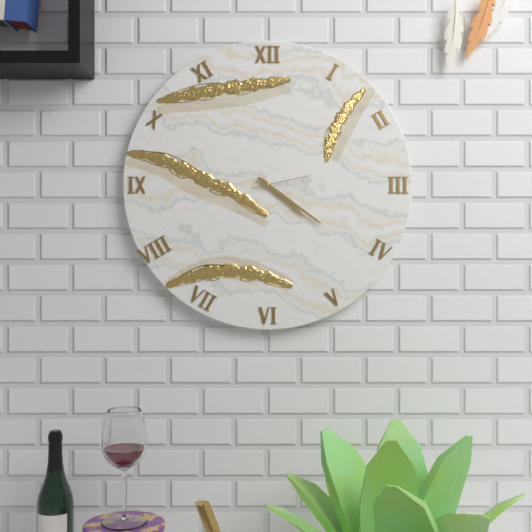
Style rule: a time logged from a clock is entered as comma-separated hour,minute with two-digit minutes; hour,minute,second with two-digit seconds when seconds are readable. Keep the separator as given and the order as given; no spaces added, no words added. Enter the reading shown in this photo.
4,21,13
